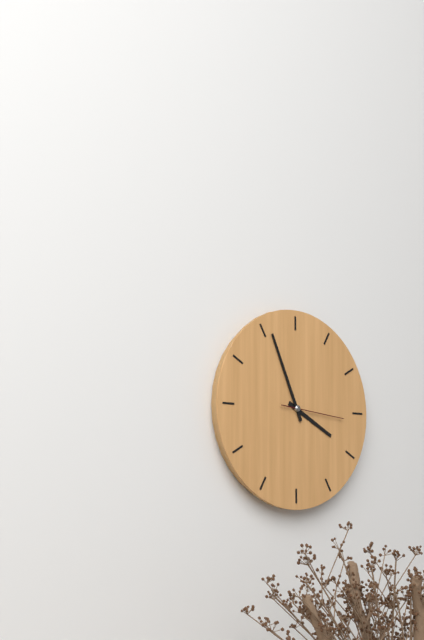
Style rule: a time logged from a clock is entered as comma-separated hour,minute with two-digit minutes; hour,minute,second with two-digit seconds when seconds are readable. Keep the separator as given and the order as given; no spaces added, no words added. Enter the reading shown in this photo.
3,56,16
